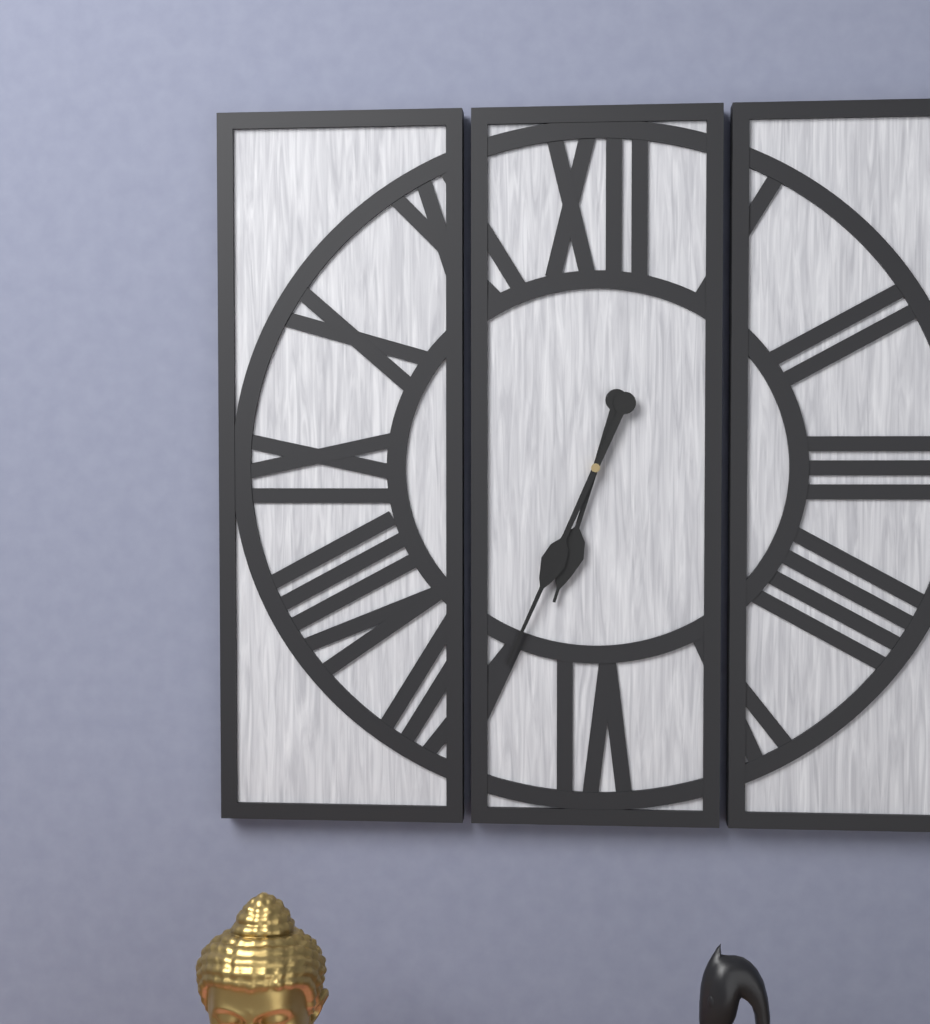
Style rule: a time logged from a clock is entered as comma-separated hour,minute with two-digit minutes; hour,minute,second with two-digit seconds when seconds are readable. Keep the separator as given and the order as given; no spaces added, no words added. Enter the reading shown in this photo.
6,34
